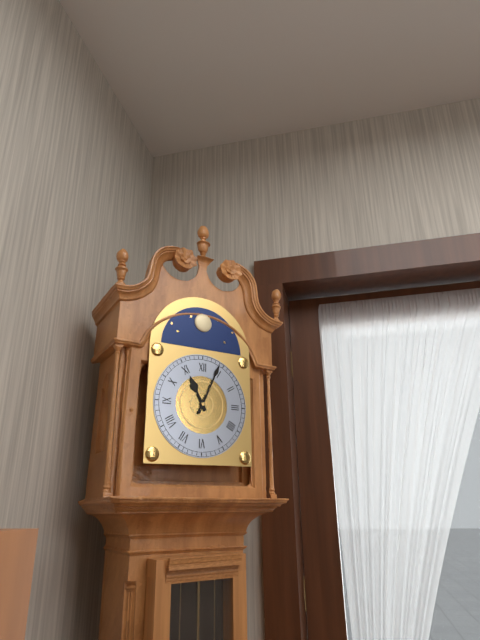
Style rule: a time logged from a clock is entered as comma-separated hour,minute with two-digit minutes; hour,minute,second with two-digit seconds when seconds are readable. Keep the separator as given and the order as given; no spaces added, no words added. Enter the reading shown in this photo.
11,04
